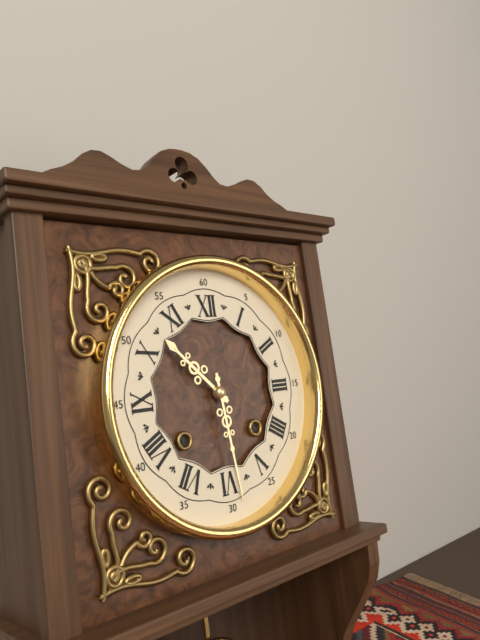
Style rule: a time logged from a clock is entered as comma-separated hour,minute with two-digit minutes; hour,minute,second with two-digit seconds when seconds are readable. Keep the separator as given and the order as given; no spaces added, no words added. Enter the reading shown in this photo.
10,29
